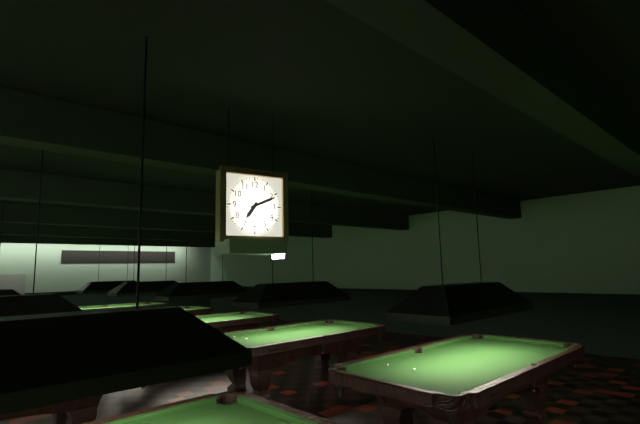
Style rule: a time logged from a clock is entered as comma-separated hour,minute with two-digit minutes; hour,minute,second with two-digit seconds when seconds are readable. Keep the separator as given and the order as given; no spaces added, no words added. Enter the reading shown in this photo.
7,11
